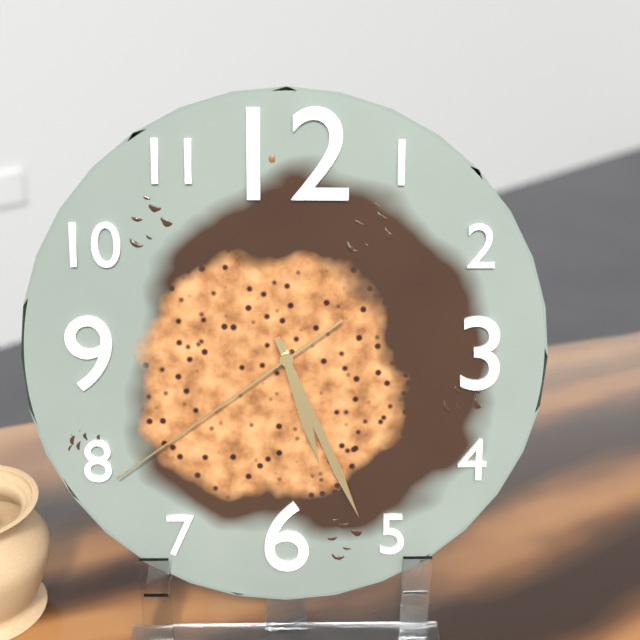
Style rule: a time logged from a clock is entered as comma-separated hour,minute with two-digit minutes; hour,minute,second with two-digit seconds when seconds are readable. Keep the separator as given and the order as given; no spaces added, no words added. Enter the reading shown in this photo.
5,26,39
